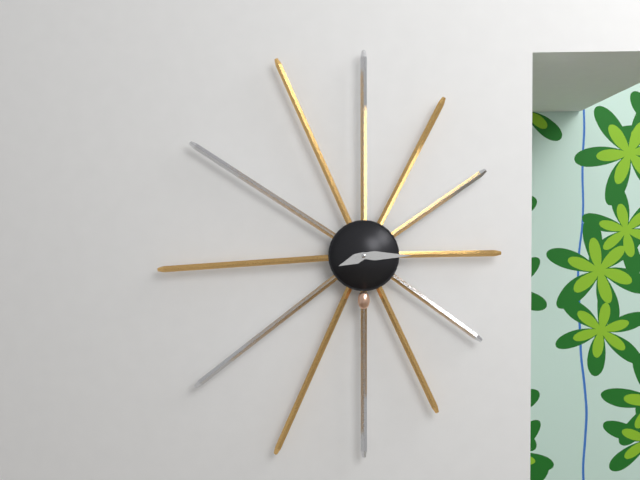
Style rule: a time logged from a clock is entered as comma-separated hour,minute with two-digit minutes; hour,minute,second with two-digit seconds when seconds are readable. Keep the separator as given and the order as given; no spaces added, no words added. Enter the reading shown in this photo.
8,15
